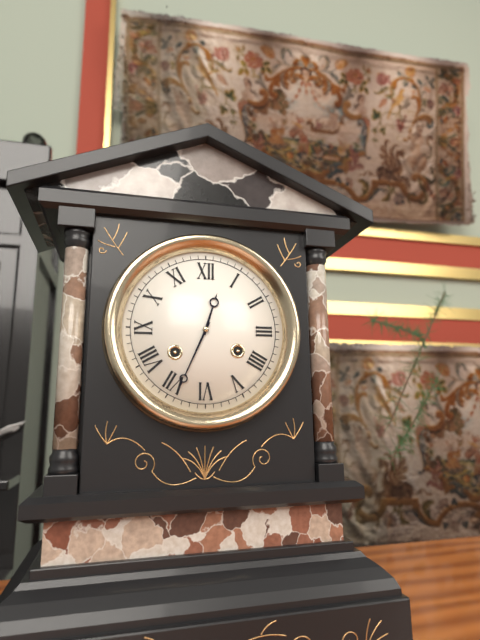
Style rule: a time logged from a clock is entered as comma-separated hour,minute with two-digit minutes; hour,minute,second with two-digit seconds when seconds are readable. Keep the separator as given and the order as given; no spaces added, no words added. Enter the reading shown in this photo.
12,34
